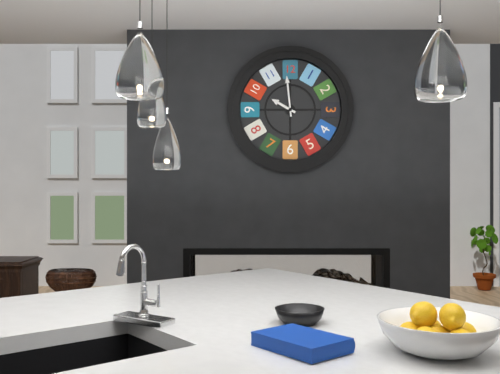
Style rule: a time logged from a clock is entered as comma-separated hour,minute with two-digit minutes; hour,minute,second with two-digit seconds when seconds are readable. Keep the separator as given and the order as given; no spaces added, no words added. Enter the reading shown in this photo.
9,59
